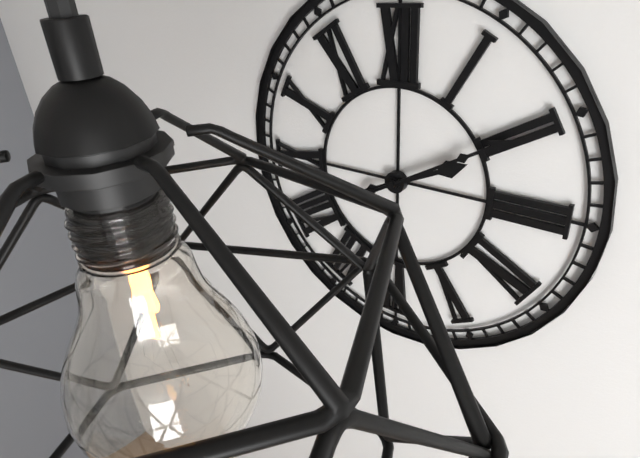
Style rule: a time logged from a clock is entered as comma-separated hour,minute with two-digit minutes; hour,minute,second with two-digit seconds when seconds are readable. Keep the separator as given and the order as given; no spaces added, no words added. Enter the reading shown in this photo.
2,10
